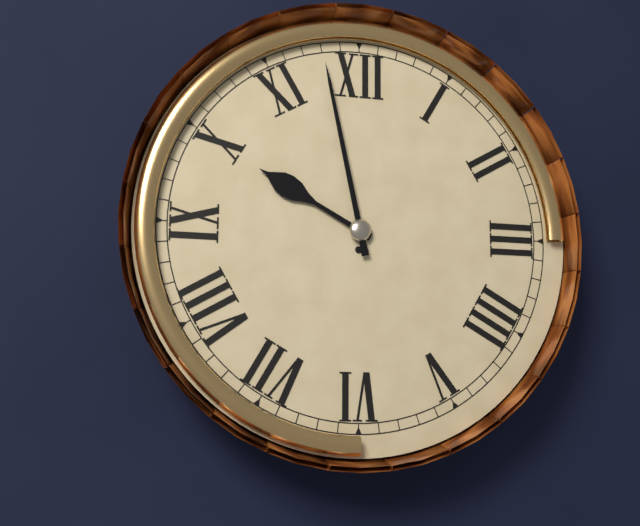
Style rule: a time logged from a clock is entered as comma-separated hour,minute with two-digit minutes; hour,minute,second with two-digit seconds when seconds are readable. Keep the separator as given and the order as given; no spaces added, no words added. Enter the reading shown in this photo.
9,58
